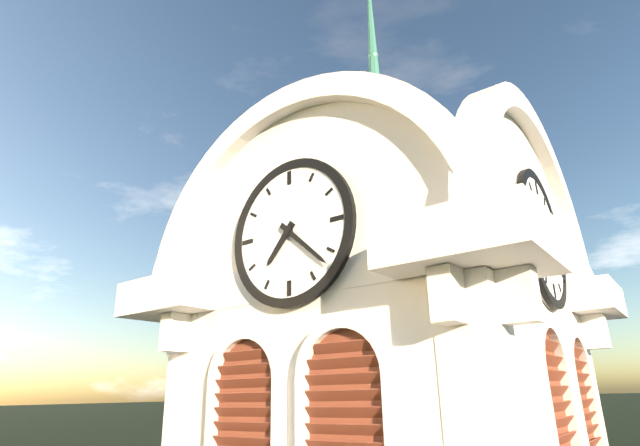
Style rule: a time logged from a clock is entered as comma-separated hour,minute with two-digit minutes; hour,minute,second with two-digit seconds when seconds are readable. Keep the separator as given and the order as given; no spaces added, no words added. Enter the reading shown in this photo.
7,22
